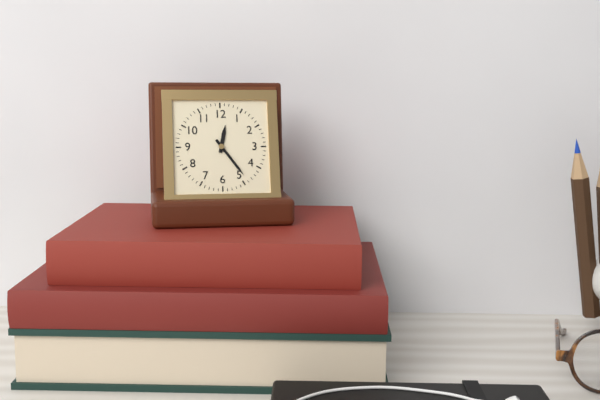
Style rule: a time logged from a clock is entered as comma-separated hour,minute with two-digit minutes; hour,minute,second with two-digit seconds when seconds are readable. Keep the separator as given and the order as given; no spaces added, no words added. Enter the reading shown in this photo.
12,24
